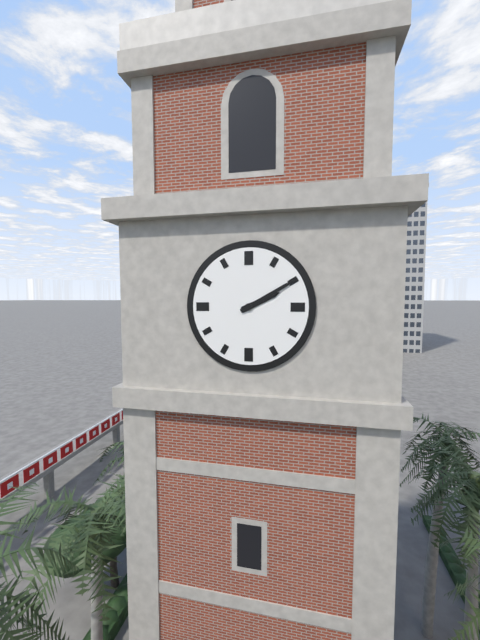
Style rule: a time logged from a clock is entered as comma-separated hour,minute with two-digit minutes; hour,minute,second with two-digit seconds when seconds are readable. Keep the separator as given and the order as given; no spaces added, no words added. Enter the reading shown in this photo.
2,10
